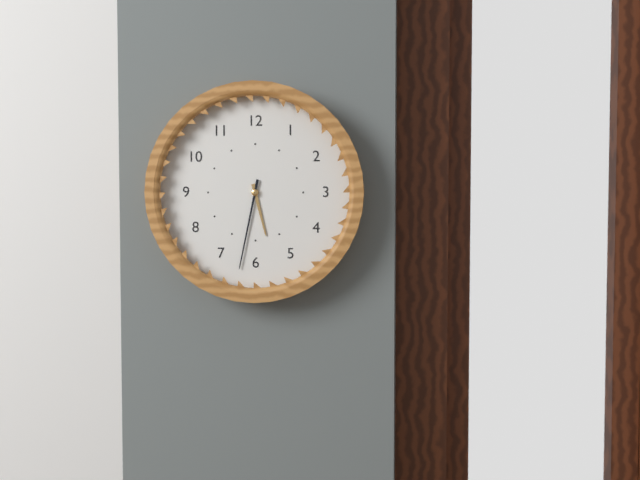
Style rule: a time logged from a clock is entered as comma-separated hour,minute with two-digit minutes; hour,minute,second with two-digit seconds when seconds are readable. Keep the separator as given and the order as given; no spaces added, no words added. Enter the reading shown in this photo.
5,32
